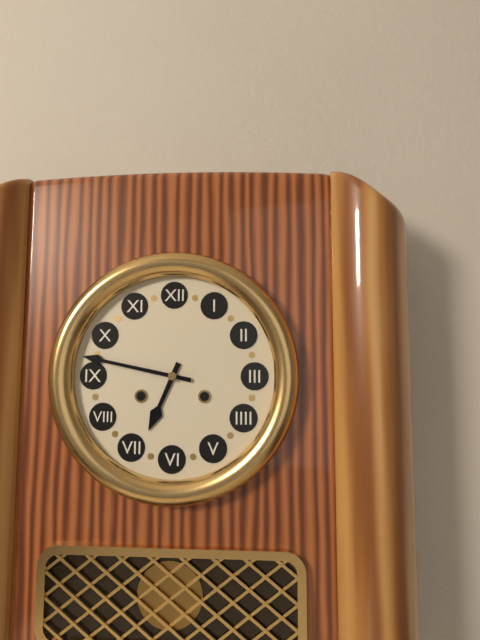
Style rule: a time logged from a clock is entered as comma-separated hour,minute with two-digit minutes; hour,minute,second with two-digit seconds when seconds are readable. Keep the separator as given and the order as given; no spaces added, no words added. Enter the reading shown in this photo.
6,47
